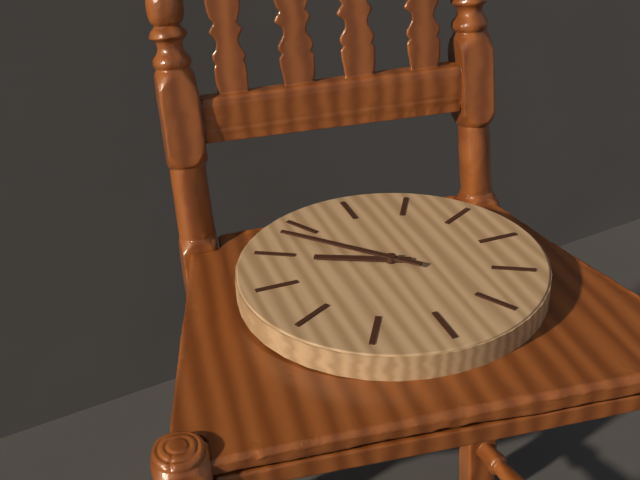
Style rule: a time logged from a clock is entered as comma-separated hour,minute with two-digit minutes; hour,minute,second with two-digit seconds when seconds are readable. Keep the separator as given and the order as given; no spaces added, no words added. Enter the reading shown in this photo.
9,53
